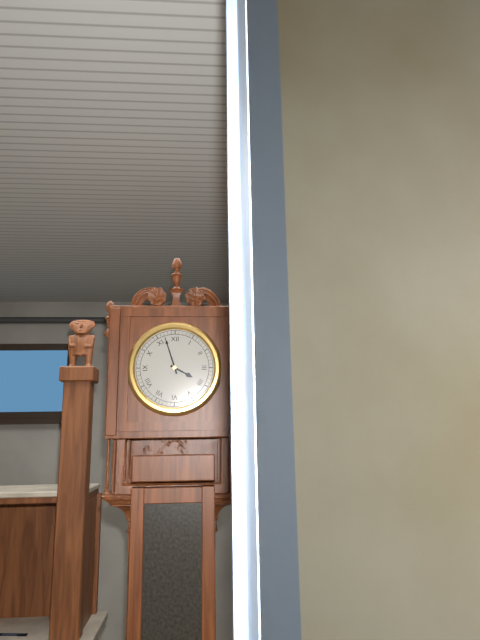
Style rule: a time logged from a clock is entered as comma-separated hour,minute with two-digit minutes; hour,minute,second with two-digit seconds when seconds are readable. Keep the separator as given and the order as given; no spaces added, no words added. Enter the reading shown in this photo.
3,57
